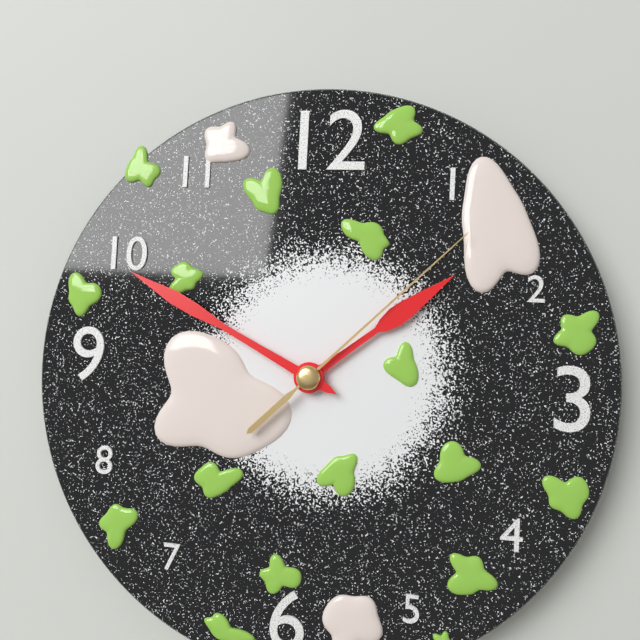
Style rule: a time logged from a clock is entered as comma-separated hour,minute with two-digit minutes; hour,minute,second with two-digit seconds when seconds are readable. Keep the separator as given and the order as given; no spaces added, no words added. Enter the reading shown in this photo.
1,50,08
